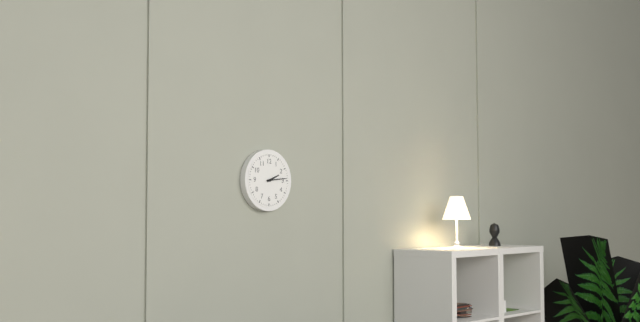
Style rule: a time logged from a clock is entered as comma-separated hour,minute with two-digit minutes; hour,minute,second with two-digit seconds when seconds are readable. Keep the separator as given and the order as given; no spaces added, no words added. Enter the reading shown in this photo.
2,14
